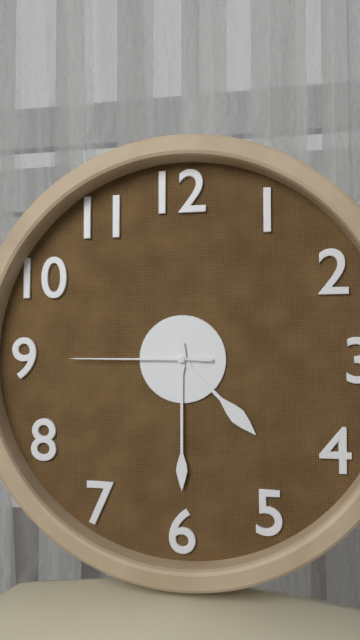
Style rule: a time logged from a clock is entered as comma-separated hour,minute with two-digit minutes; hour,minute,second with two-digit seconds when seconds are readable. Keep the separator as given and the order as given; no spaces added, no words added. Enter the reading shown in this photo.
4,30,45
